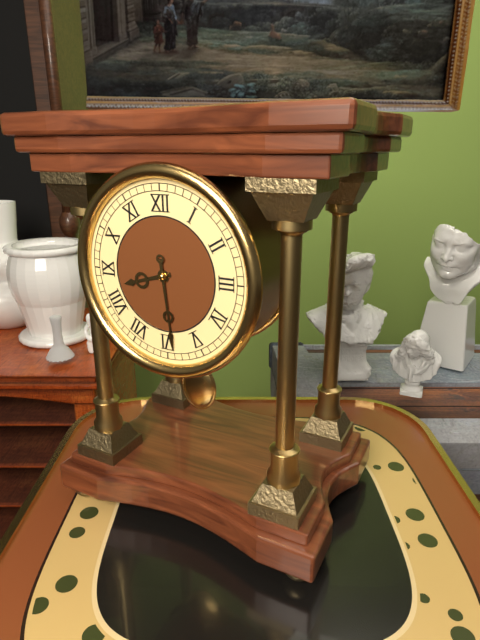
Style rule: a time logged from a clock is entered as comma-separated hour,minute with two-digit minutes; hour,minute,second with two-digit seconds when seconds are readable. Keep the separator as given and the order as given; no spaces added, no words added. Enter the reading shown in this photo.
8,29
